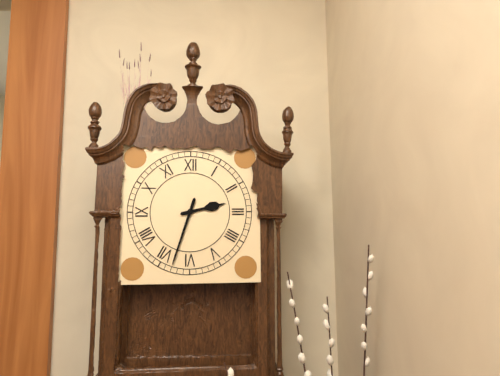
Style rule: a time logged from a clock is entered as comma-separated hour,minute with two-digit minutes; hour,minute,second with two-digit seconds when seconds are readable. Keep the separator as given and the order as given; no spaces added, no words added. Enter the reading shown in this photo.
2,33
